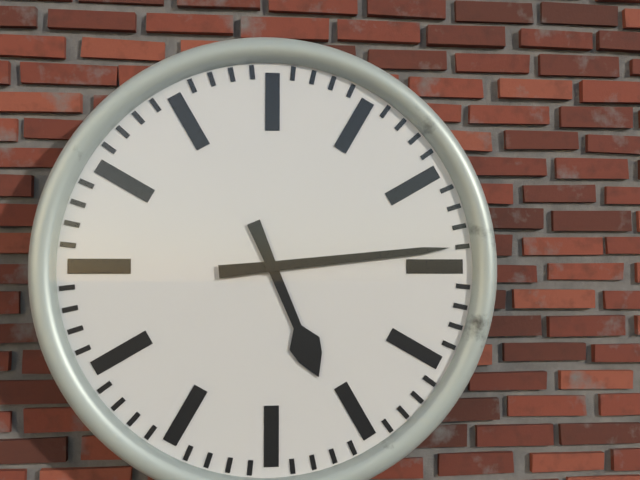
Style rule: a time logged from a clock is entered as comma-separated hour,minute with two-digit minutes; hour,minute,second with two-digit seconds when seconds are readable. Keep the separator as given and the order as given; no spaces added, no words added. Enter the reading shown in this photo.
5,14
